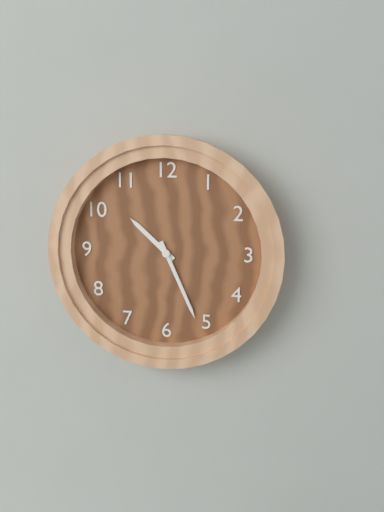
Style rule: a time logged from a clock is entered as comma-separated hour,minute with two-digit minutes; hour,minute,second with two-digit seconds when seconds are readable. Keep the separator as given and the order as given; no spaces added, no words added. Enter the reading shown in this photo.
10,26
